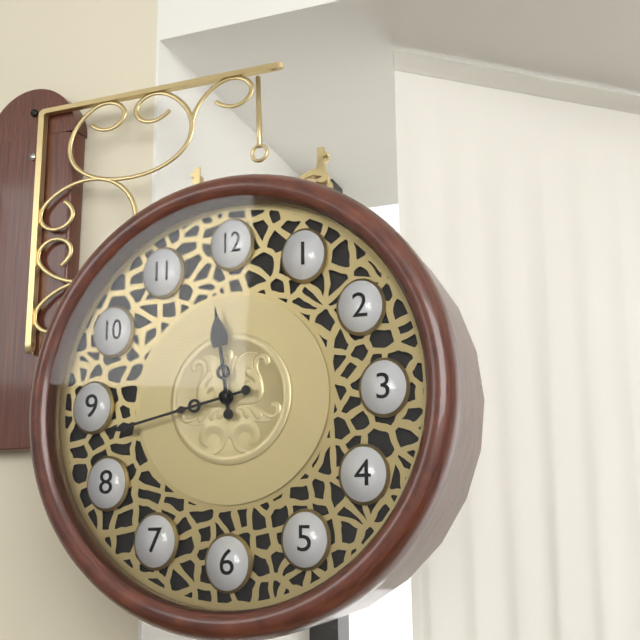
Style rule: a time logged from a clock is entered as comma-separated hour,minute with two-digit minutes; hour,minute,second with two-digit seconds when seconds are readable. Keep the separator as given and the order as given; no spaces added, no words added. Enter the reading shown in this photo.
11,43
